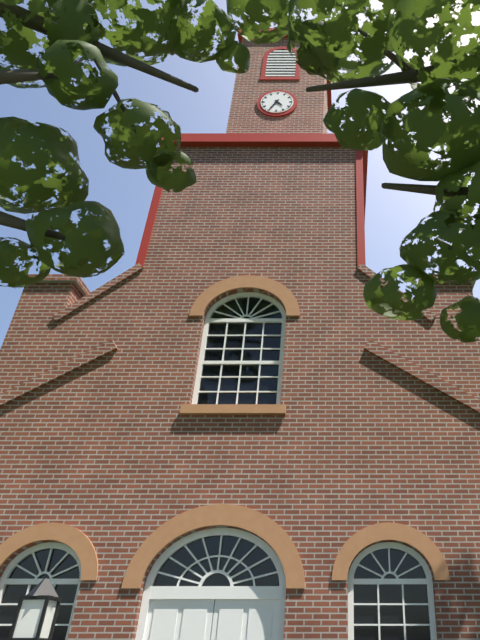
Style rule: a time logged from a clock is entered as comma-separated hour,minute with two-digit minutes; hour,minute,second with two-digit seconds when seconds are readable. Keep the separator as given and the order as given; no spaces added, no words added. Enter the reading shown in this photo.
4,35
